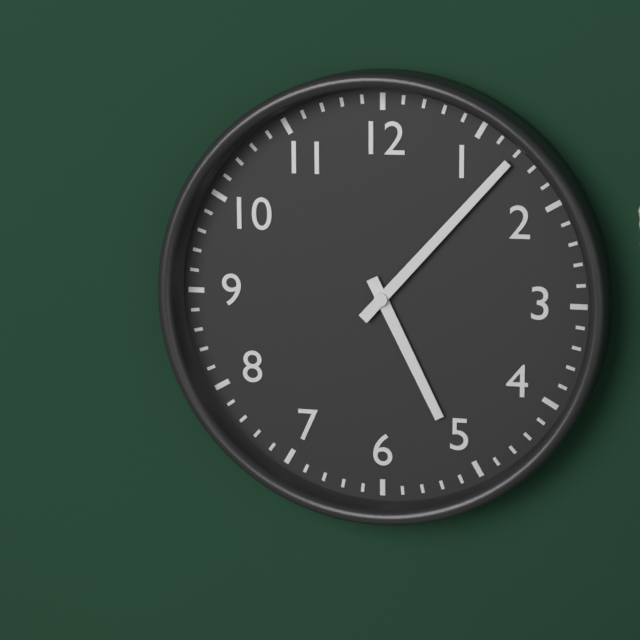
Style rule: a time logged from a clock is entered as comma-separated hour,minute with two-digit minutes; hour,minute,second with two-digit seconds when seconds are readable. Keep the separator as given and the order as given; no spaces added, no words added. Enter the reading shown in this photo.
5,07
